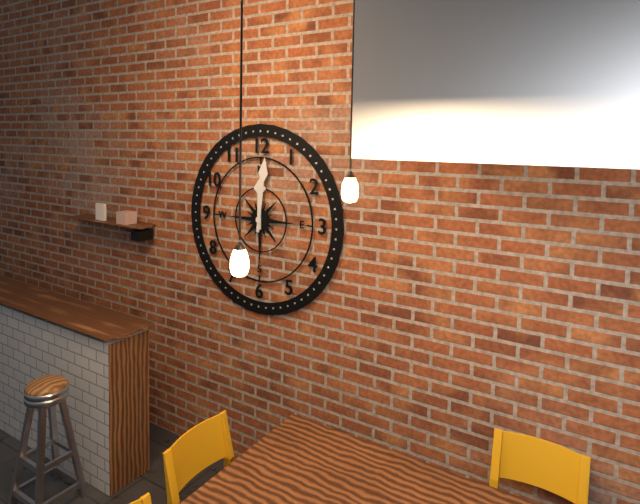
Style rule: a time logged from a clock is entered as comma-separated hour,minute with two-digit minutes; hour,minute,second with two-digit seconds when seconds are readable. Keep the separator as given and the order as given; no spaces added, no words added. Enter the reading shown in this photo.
12,01
